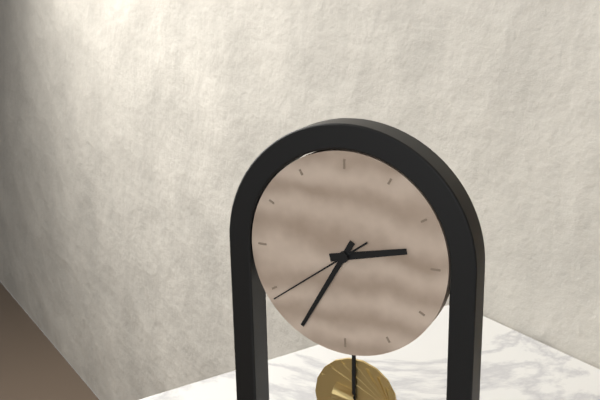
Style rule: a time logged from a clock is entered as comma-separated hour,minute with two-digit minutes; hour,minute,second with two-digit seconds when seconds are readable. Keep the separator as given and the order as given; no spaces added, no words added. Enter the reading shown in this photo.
2,35,39
